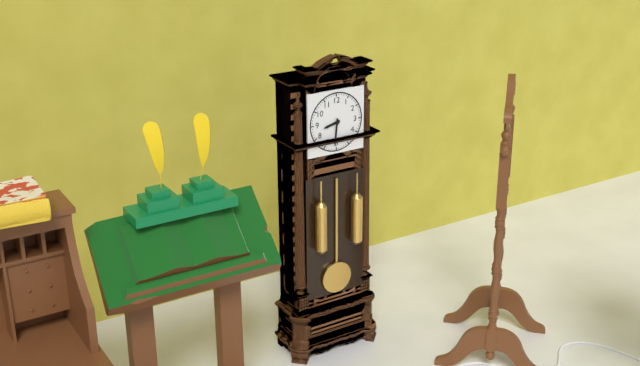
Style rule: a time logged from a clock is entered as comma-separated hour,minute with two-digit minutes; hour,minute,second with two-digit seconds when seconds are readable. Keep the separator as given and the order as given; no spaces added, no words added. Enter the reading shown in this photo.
8,31
